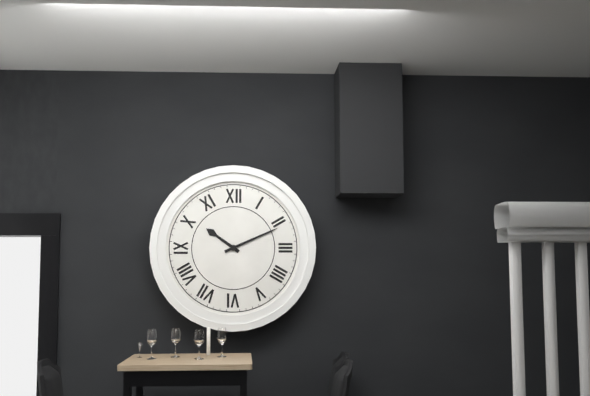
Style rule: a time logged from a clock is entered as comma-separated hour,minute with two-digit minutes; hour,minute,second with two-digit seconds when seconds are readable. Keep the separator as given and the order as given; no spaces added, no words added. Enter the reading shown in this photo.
10,11
